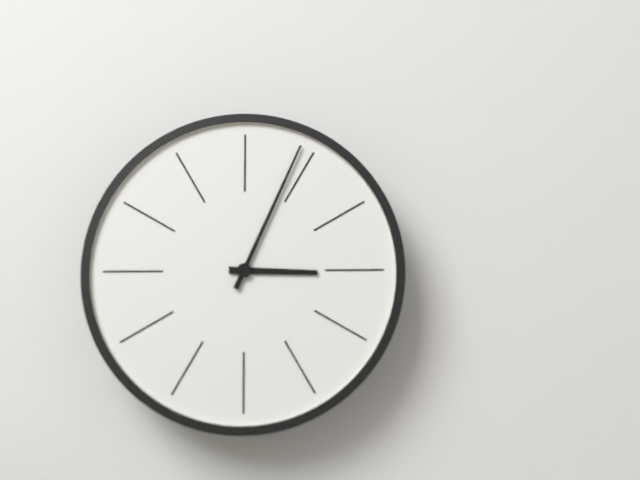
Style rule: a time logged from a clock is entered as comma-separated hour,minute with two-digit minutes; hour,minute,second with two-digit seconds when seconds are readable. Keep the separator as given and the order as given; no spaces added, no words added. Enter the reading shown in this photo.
3,04
